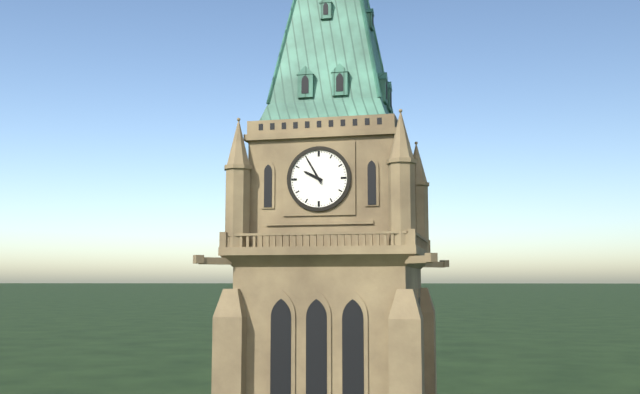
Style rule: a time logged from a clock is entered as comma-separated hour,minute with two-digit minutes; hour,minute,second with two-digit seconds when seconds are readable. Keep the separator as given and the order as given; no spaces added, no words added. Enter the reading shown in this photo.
9,55
